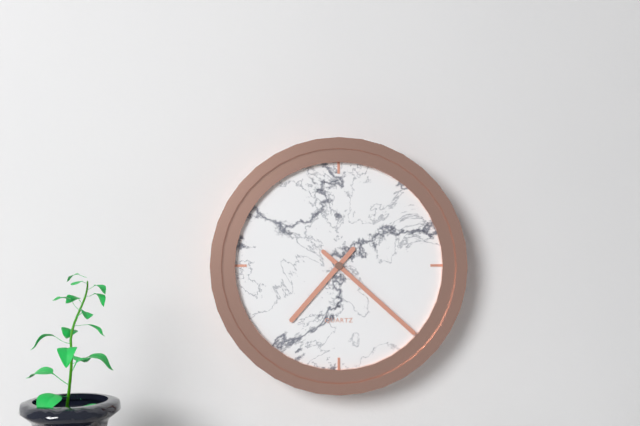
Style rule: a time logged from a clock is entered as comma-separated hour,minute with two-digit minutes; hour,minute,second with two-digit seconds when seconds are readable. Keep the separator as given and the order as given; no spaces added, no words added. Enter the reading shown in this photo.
7,22
